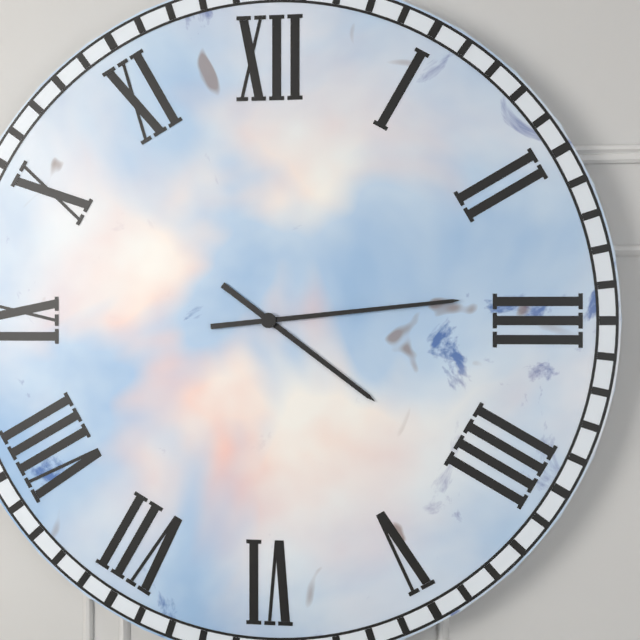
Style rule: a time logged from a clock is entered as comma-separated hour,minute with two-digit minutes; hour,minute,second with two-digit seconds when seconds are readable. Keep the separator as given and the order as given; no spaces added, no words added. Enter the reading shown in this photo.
4,14
